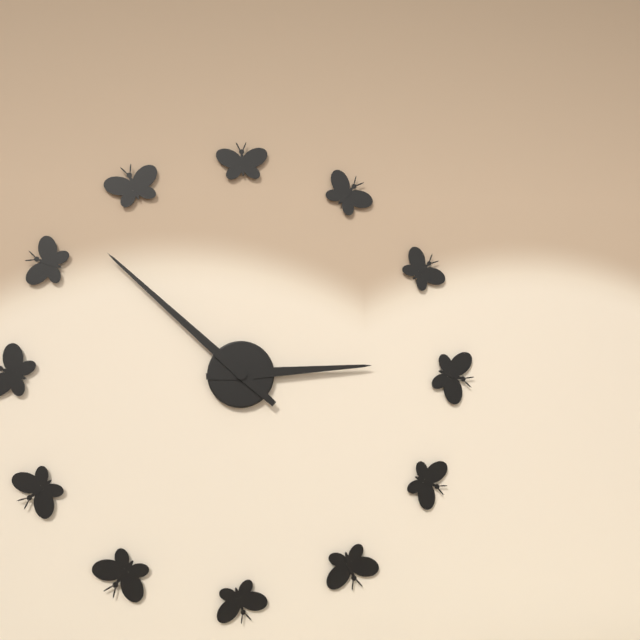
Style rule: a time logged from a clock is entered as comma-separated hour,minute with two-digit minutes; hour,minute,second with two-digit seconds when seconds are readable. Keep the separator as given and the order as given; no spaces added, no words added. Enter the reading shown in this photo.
2,52
